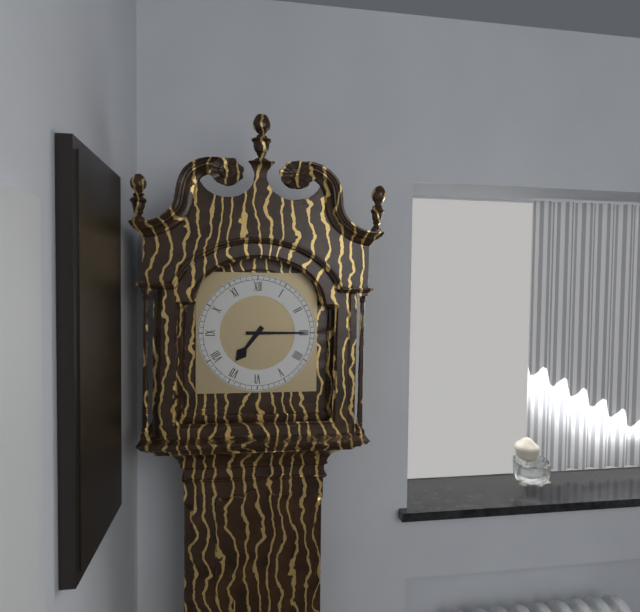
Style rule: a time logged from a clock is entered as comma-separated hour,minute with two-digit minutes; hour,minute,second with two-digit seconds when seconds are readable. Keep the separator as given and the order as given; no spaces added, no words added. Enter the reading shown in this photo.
7,15
